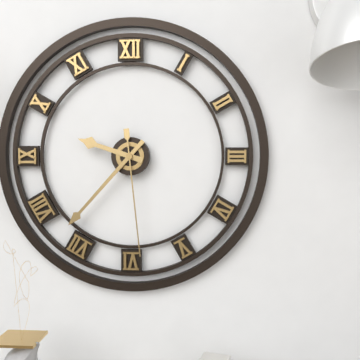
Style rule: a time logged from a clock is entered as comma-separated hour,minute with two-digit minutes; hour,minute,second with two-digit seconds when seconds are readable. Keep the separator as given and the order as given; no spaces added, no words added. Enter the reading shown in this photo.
9,37,29
